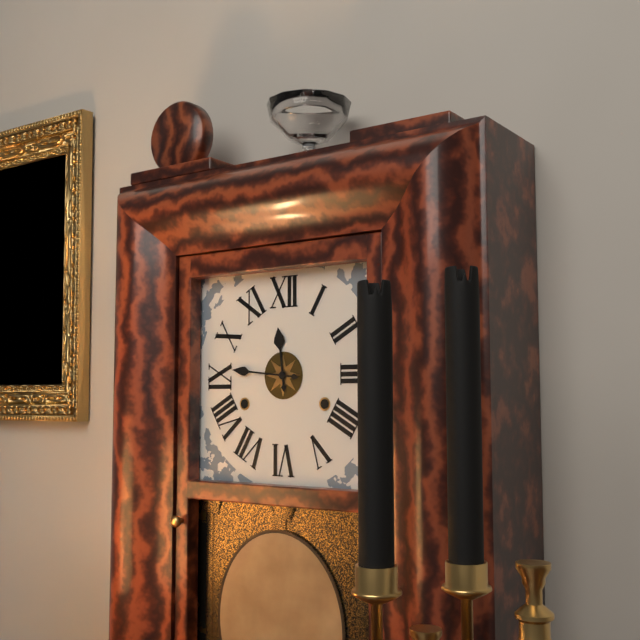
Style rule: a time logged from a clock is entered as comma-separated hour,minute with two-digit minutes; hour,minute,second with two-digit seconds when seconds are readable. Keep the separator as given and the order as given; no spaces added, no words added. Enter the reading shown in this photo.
11,46
